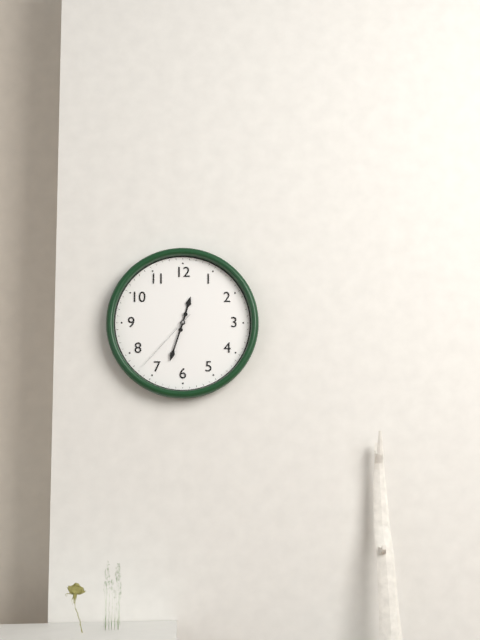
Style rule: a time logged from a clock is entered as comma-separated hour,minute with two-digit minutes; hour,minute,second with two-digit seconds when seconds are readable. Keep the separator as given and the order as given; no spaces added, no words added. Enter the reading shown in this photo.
12,33,37
